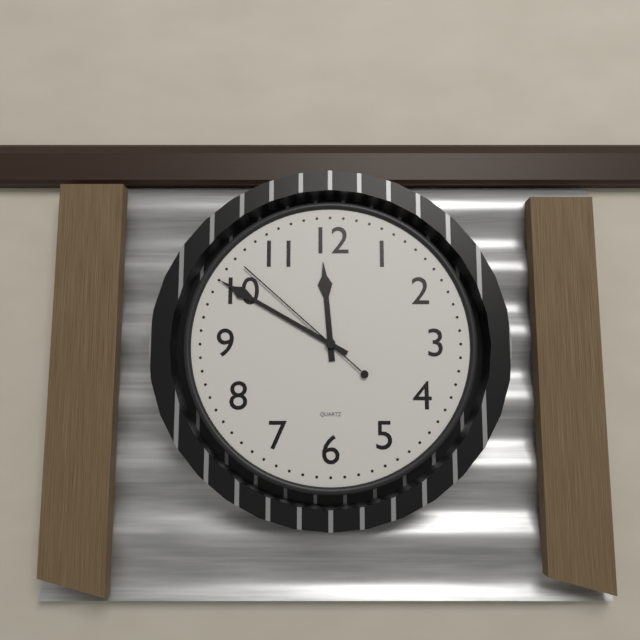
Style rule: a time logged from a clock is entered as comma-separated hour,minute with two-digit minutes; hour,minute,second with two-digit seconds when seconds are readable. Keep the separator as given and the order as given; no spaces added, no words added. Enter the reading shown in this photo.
11,50,52
